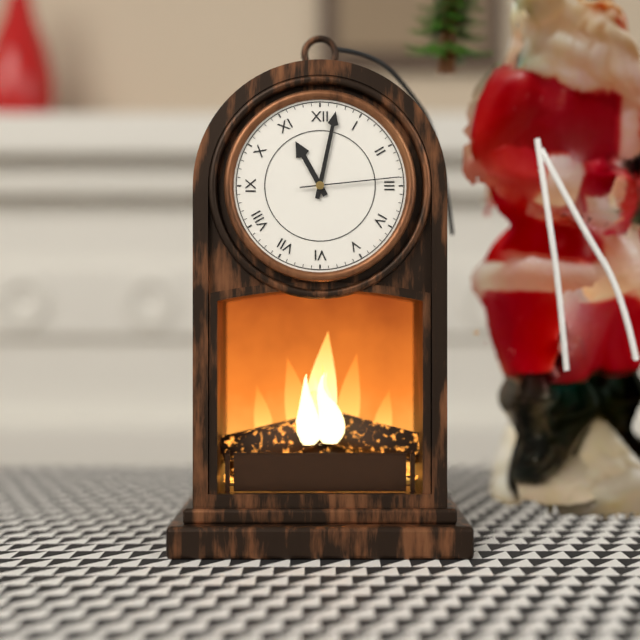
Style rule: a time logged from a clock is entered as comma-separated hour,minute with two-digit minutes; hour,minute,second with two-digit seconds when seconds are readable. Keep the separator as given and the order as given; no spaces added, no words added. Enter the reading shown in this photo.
11,02,14
